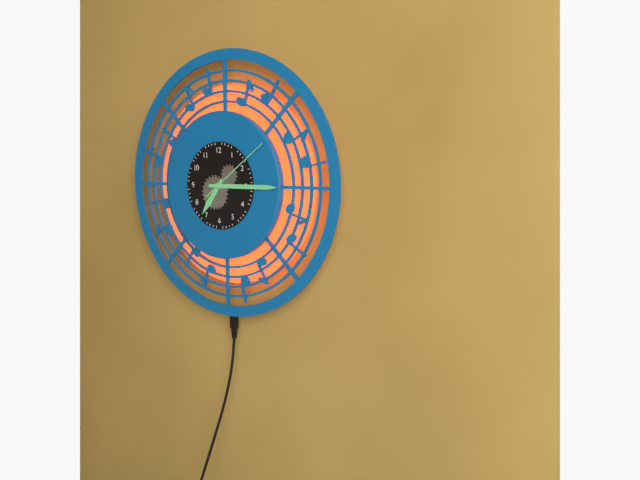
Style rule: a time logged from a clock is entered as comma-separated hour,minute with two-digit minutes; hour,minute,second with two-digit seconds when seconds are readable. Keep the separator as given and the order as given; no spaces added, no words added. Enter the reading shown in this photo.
7,15,09
